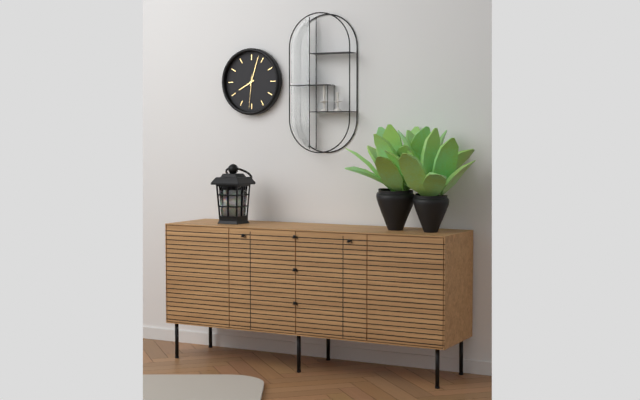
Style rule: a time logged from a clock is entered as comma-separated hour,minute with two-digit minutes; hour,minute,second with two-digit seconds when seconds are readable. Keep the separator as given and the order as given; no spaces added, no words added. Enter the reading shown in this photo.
8,03
